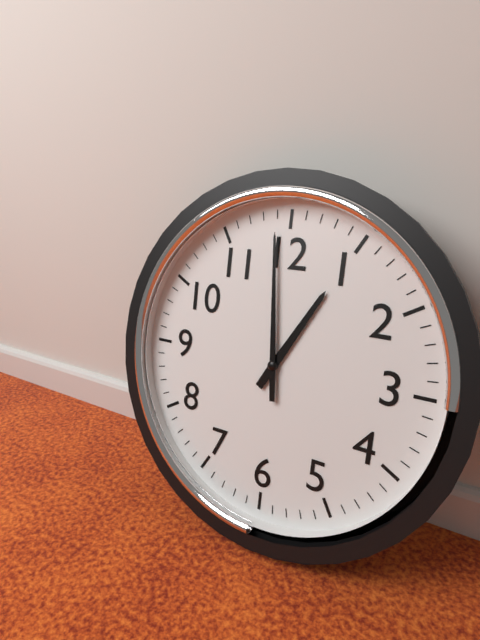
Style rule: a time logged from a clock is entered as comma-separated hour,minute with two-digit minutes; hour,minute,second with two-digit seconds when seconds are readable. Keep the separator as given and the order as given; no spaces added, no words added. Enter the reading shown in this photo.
12,59
